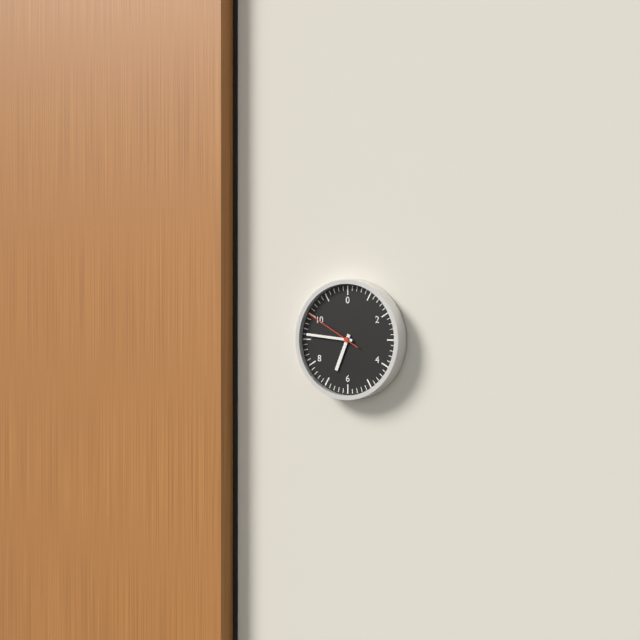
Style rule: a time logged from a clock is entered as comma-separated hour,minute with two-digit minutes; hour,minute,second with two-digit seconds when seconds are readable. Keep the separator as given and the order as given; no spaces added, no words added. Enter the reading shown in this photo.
6,46,50
